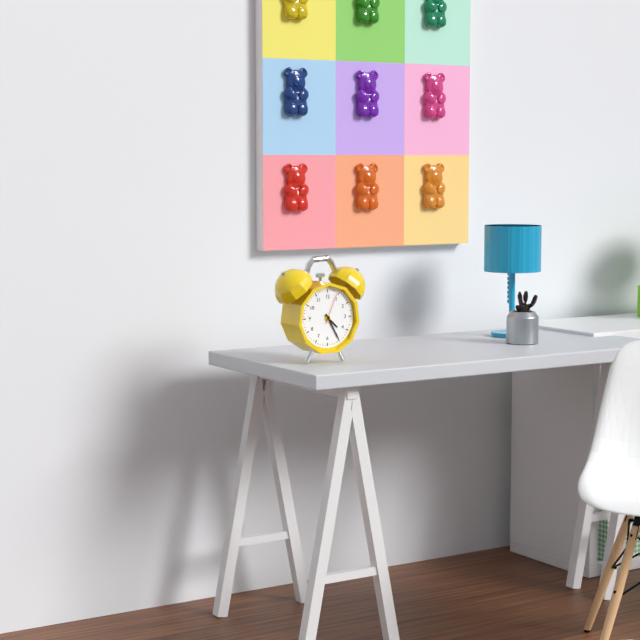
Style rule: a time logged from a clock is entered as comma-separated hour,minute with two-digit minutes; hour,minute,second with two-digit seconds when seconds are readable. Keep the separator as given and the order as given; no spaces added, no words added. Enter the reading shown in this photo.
4,25
